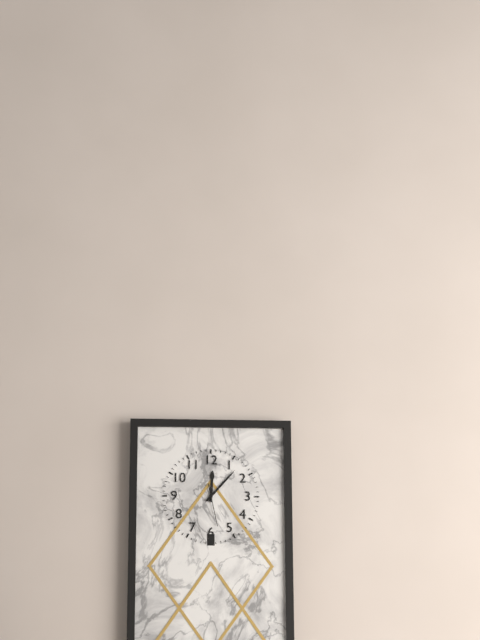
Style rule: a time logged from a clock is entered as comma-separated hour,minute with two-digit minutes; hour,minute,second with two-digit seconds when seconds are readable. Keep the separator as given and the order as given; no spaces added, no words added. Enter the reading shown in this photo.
12,07
